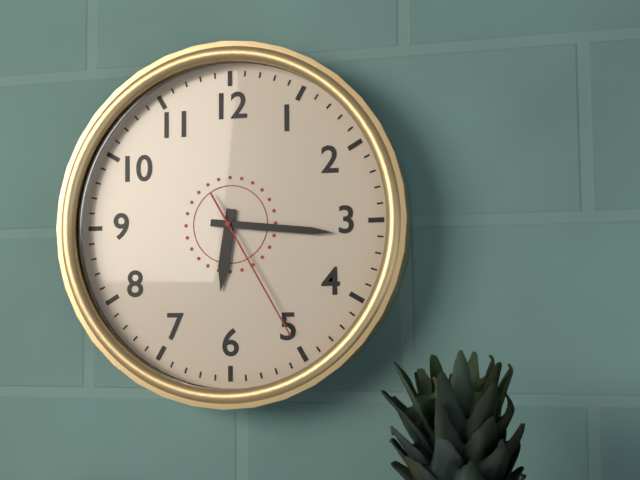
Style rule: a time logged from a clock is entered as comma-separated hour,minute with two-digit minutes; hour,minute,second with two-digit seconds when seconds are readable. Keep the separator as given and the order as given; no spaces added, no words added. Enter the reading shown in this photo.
6,16,25
